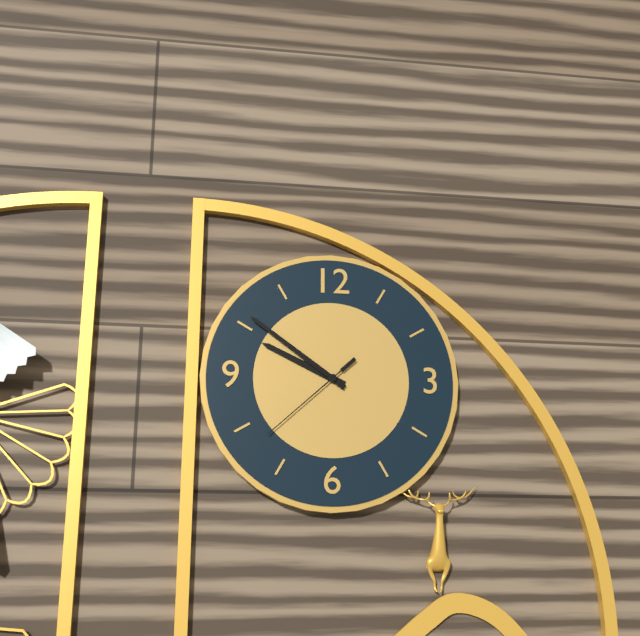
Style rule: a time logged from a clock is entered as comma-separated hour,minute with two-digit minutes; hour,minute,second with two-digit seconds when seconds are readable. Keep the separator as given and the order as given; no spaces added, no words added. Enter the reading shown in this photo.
9,51,38
